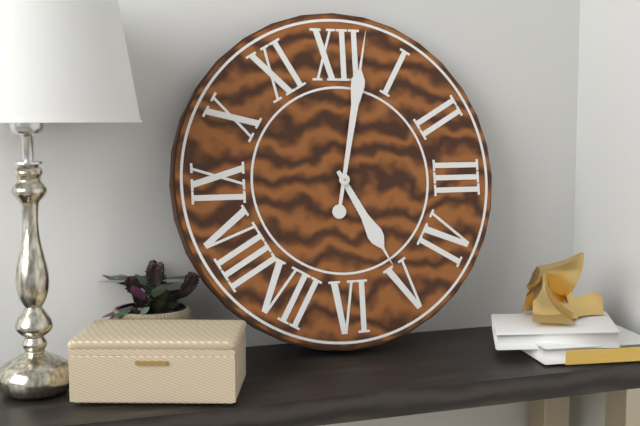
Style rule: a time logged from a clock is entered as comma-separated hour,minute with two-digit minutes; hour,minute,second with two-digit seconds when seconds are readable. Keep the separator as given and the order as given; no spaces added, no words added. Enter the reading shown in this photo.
5,02
